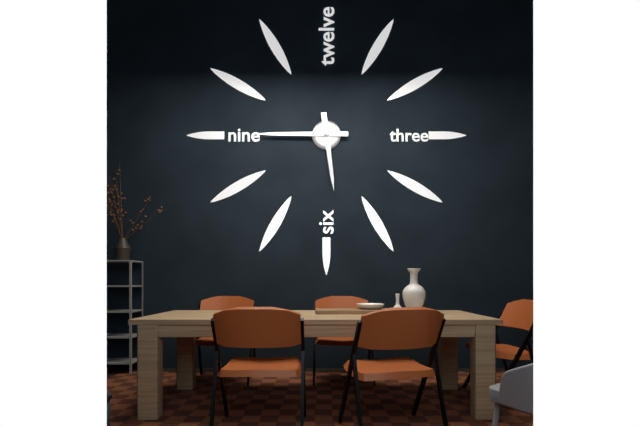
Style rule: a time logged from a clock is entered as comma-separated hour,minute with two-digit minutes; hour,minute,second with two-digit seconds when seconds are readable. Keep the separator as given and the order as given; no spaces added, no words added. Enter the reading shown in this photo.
5,45
